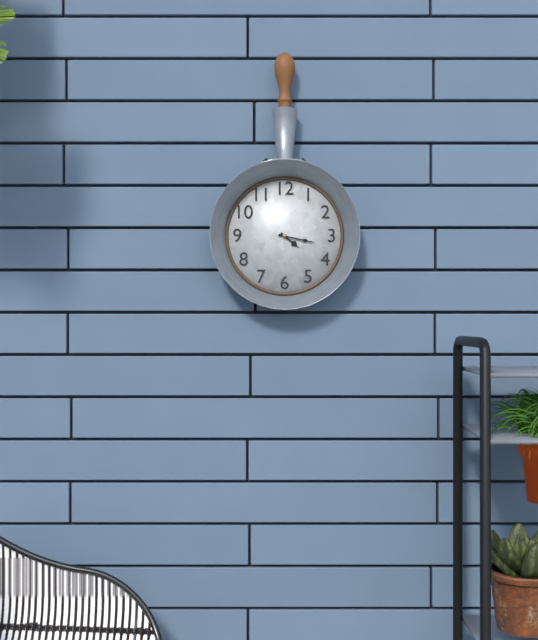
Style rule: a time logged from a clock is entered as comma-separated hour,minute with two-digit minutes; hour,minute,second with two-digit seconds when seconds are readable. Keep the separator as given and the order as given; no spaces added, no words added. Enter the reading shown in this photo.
4,17
